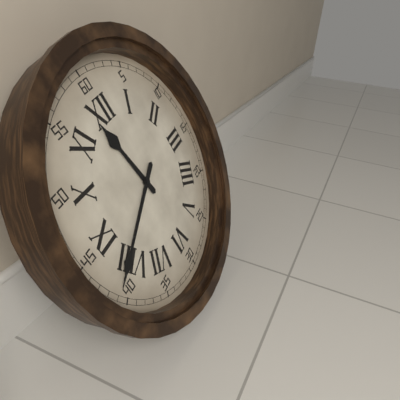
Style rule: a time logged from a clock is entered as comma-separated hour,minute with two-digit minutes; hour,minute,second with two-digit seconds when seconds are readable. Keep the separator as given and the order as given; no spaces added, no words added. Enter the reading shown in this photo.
11,41
